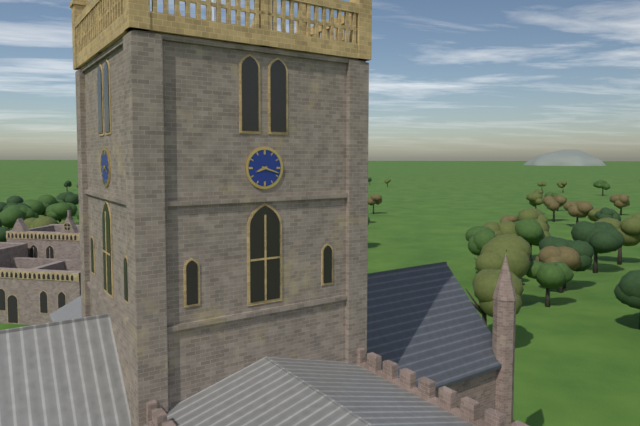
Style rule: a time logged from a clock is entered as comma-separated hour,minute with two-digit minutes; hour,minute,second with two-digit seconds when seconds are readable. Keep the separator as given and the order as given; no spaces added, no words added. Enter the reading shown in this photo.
8,18
